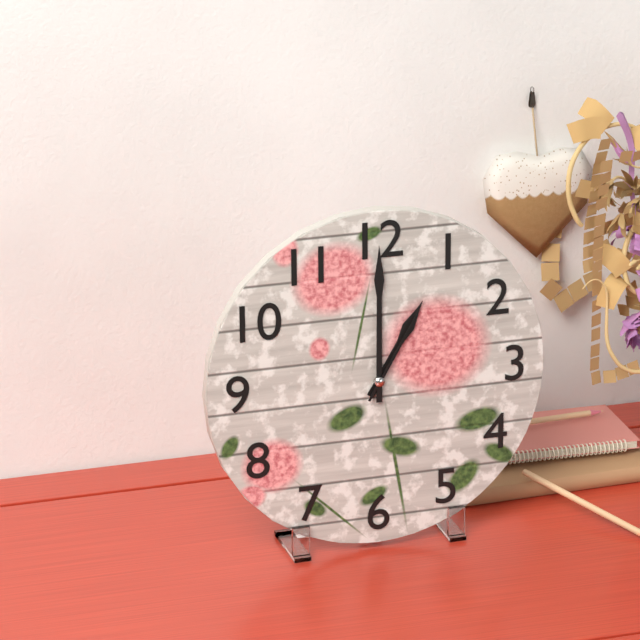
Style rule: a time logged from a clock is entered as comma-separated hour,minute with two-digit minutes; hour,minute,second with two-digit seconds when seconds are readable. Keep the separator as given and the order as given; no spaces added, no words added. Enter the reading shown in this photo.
1,00,05
